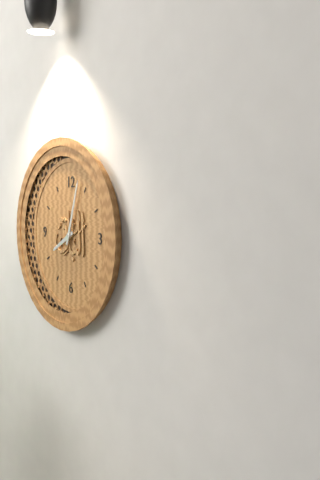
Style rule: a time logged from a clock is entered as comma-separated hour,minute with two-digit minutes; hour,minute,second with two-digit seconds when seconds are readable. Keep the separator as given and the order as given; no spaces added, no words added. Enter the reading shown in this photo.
8,03
